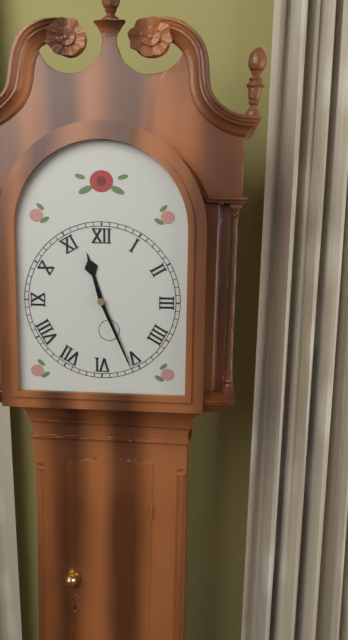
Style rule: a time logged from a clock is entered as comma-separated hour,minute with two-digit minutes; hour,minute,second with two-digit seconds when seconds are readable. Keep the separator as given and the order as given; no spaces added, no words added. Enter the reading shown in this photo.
11,26
